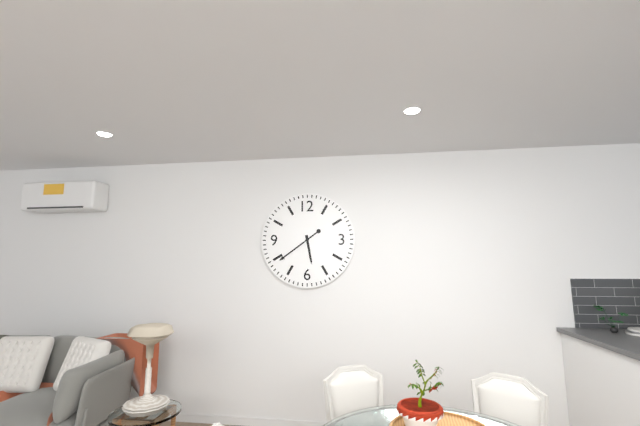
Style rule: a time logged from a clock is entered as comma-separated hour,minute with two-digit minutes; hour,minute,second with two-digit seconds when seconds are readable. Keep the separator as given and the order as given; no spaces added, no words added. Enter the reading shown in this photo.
5,39
